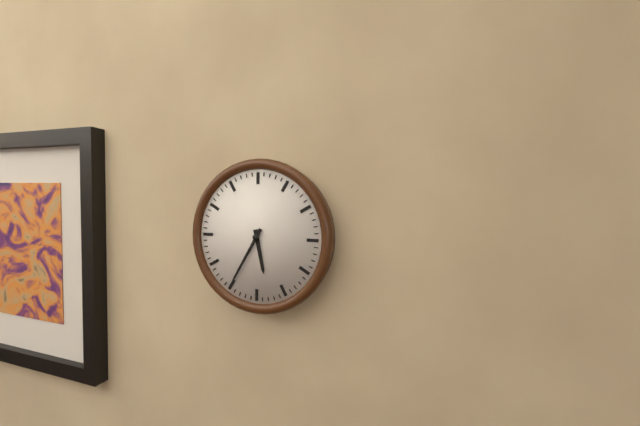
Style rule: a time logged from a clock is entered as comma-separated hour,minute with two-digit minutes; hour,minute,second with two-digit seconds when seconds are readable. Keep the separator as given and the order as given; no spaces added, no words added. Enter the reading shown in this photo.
5,35
